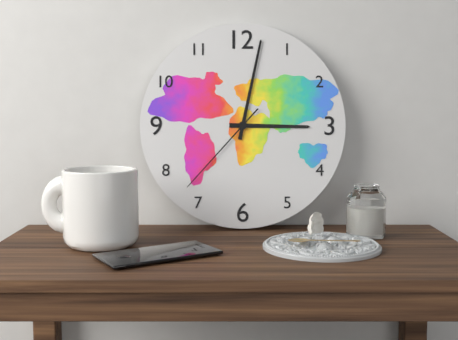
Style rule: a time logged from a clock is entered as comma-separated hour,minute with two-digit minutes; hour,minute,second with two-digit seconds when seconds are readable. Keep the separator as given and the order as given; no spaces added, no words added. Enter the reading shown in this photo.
3,02,37
